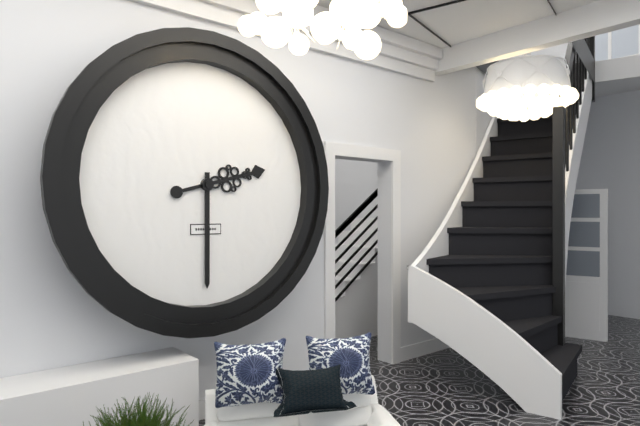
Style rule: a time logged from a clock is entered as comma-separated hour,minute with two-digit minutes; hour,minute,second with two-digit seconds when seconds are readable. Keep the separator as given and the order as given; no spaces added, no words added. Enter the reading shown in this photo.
2,30
